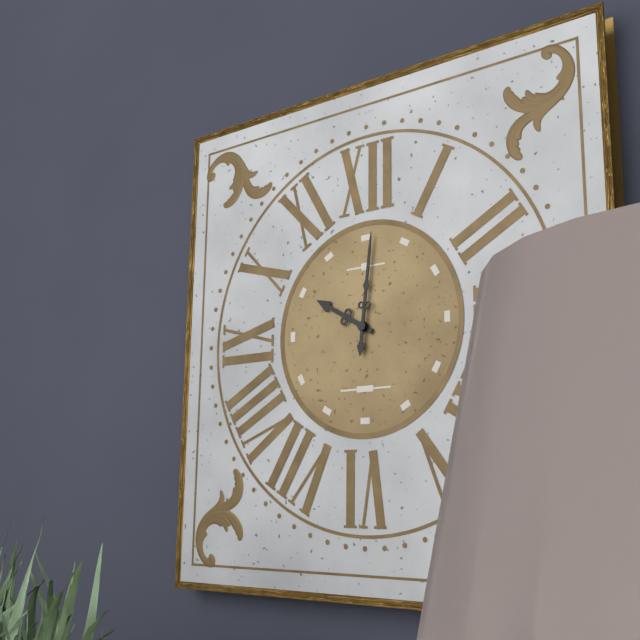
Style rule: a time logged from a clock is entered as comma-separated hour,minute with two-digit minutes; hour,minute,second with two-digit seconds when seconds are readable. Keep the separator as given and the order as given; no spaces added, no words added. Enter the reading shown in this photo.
10,01
